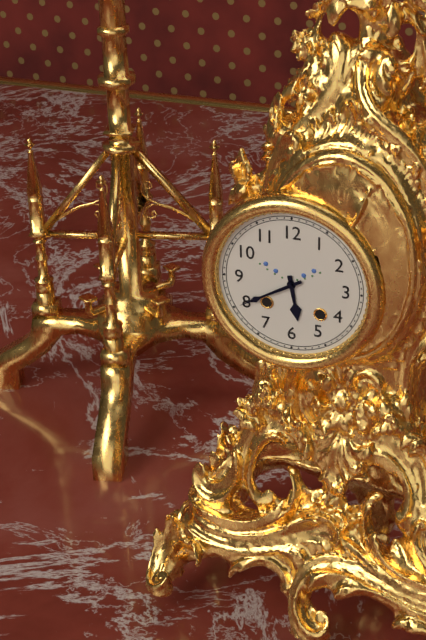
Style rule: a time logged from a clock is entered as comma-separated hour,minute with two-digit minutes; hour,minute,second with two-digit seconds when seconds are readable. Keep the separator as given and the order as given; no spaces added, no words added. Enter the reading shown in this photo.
5,40
